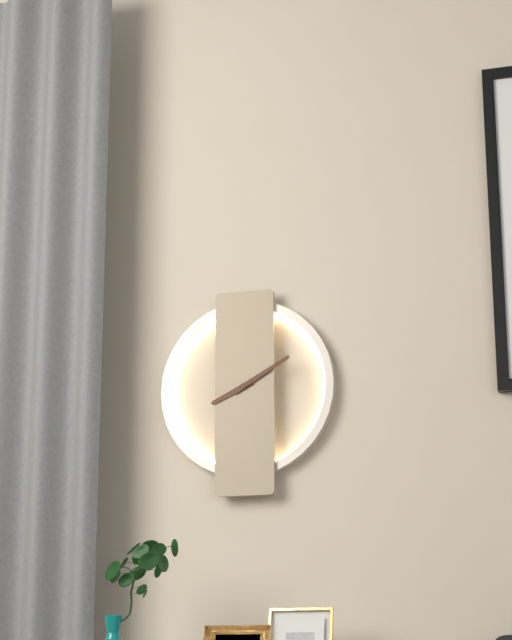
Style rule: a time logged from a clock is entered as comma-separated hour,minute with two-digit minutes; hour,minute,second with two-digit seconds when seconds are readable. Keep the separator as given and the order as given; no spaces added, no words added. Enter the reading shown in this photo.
8,10
